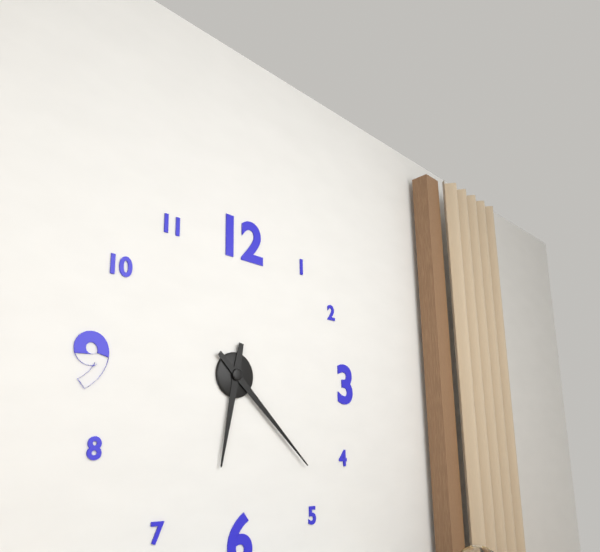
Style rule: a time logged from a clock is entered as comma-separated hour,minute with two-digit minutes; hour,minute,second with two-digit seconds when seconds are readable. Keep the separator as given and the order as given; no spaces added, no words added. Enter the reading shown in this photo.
6,22
